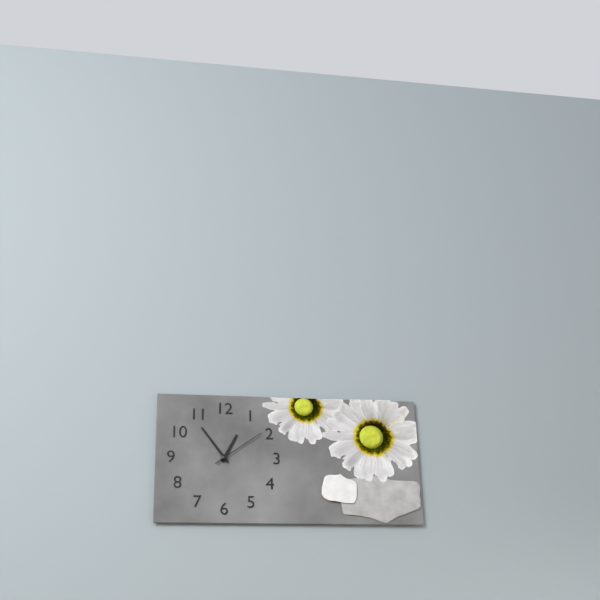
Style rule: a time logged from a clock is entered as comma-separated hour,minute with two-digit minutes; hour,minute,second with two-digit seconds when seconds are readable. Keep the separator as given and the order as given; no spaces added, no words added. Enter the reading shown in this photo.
12,54,09
